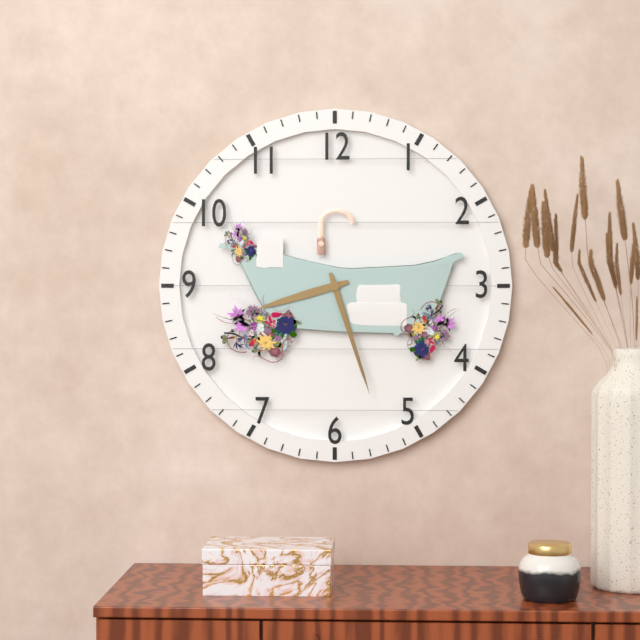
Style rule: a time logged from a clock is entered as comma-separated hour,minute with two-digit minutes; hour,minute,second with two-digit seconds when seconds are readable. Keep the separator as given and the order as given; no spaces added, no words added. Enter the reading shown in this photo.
8,27
